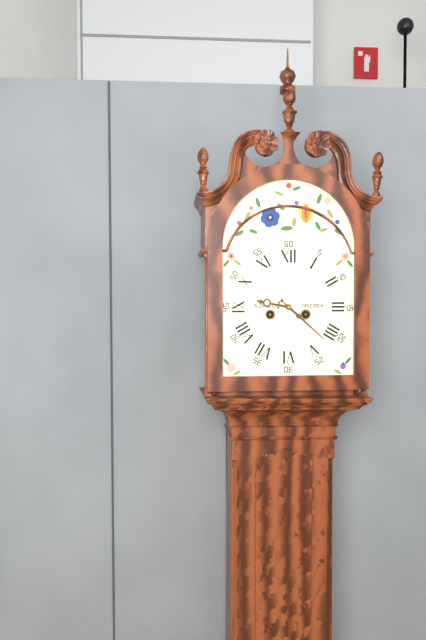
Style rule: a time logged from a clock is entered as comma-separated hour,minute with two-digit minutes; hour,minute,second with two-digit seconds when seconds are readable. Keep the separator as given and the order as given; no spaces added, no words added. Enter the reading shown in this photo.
9,22
